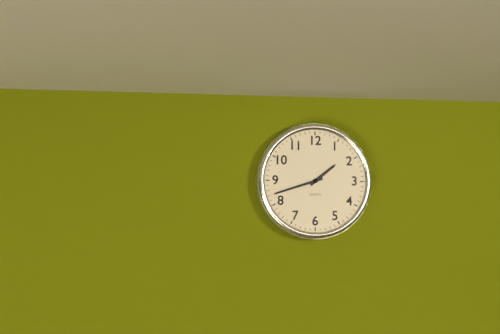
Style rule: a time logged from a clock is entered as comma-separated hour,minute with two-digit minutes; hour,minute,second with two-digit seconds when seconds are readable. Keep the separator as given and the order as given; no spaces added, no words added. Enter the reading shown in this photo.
1,42
